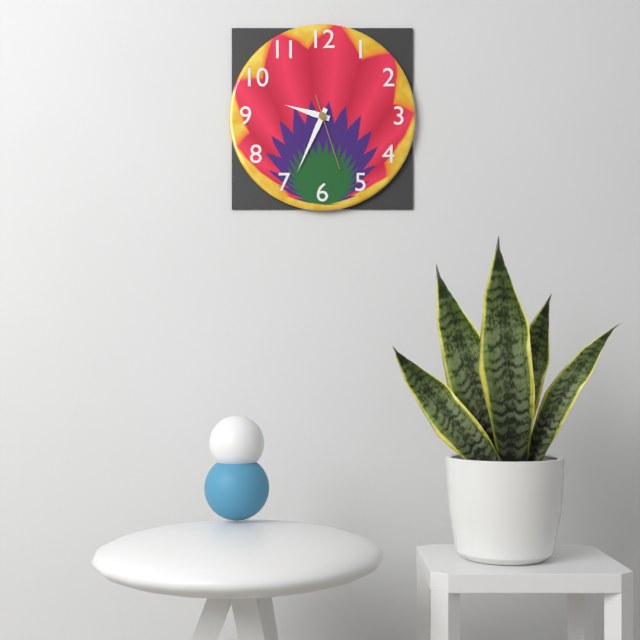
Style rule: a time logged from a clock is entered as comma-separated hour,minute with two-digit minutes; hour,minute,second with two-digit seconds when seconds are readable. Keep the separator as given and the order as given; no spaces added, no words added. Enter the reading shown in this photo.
9,34,27
